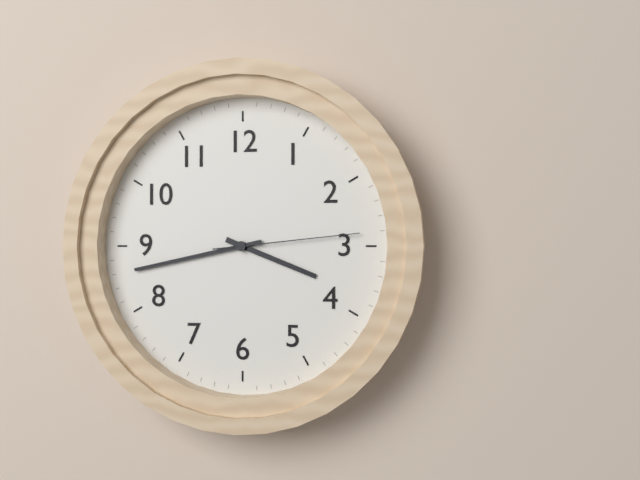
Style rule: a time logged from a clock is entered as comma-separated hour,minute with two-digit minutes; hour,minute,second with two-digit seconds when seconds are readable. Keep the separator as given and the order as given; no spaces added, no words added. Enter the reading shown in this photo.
3,43,14
